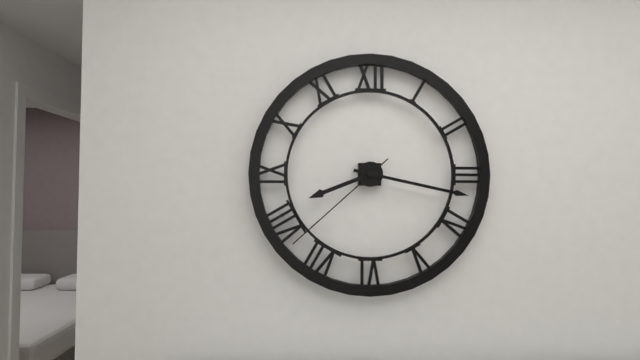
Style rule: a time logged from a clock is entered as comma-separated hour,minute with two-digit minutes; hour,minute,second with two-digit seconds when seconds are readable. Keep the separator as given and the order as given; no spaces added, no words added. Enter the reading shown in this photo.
8,17,38
